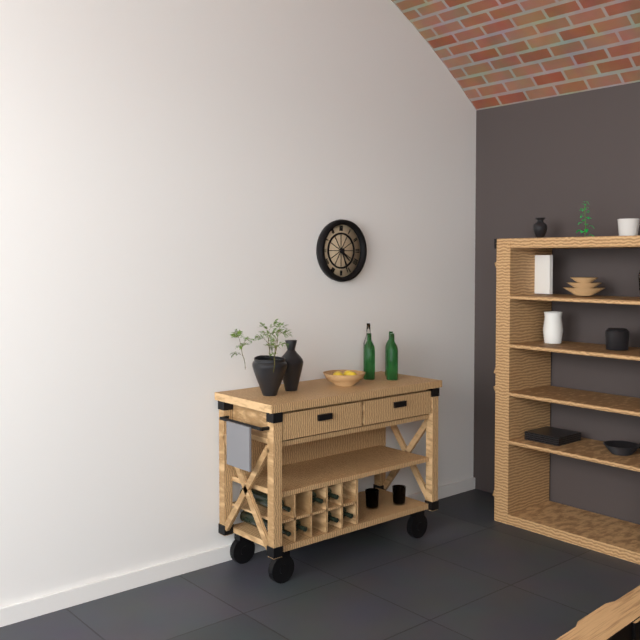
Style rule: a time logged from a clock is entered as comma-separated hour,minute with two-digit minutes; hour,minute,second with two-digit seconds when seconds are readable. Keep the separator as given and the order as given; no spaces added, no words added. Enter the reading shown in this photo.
4,27
